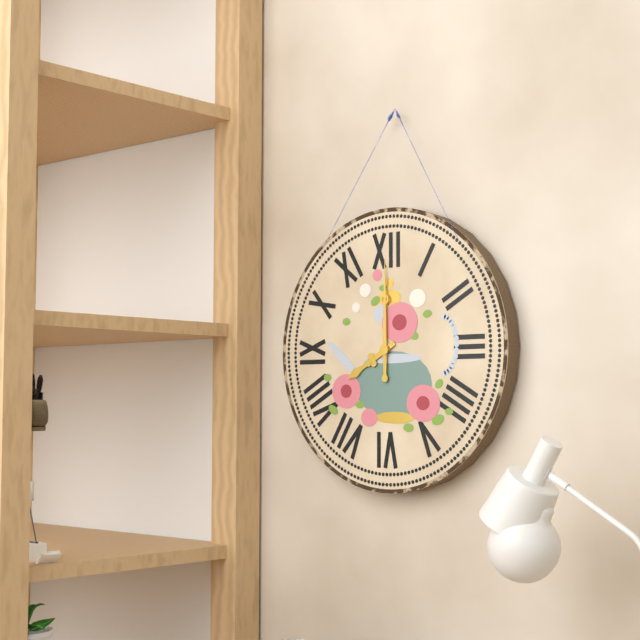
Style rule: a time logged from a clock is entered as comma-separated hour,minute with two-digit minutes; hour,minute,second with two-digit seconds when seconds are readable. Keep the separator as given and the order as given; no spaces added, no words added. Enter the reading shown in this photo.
8,00
